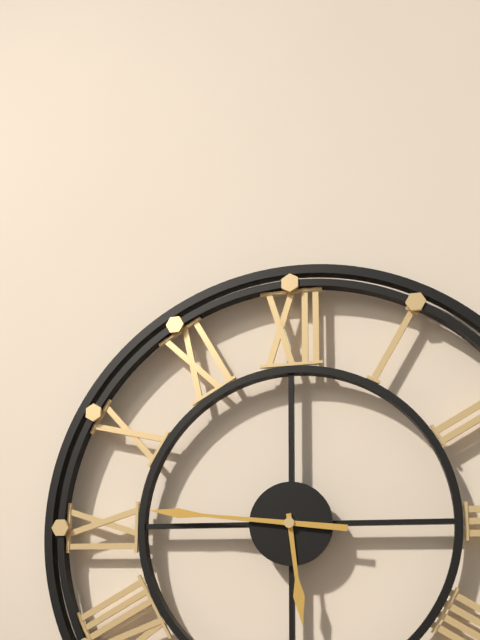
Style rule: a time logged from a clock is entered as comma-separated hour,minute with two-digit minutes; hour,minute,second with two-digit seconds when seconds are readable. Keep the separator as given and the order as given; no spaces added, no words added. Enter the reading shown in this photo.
5,46
